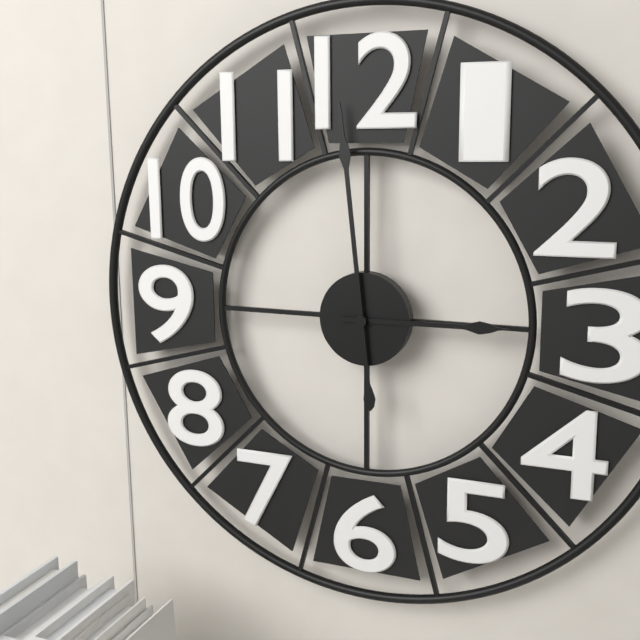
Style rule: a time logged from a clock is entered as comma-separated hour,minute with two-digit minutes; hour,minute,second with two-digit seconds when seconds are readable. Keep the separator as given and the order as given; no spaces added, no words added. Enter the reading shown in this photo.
2,59
